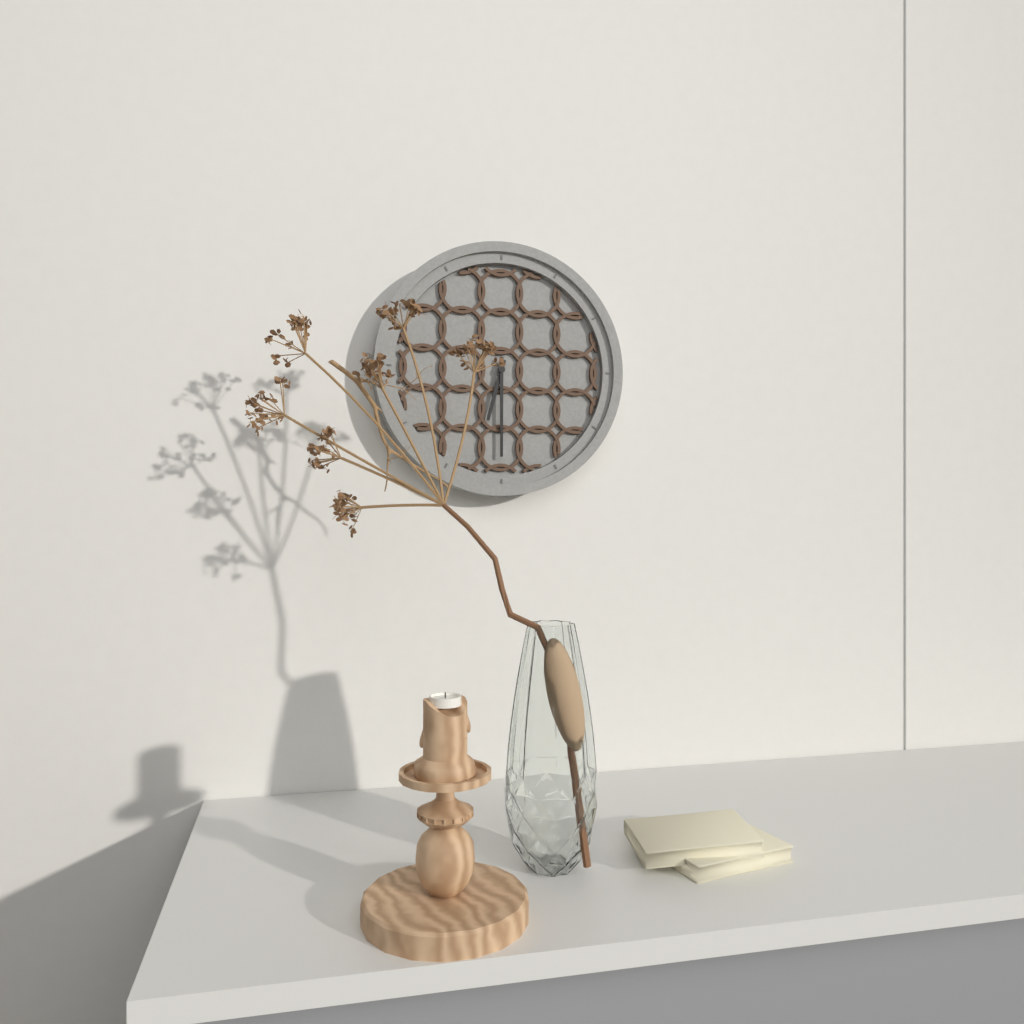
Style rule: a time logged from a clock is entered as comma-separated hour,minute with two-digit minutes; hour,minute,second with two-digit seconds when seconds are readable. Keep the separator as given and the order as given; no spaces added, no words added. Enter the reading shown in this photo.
6,30
